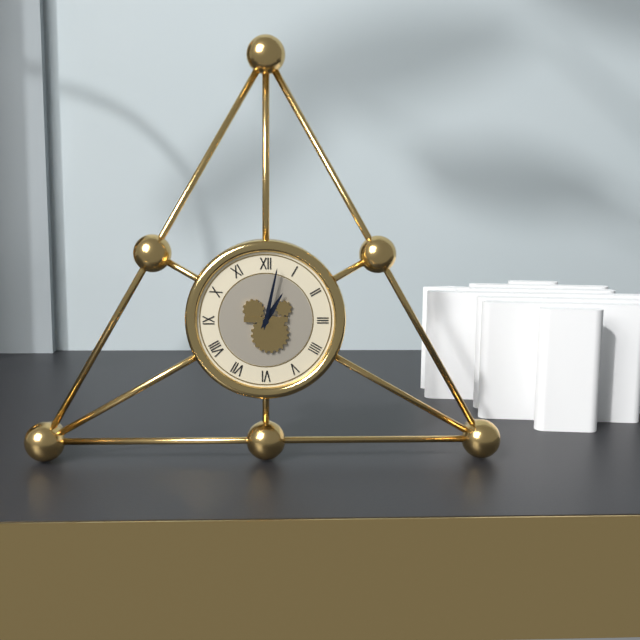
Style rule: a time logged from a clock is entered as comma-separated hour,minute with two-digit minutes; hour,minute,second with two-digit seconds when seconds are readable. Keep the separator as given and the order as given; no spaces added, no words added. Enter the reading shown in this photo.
1,02
